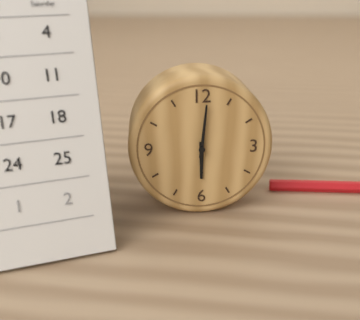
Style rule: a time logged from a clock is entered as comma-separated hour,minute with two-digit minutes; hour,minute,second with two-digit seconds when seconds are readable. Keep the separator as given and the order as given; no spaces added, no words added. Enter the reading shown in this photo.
6,01
